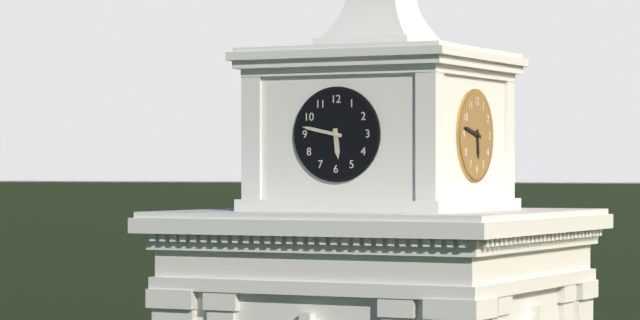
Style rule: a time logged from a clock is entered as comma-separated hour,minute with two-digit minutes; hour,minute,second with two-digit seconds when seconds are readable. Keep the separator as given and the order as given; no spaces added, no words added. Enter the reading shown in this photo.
5,47
